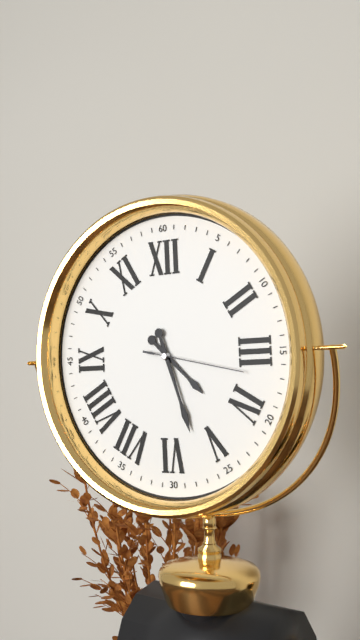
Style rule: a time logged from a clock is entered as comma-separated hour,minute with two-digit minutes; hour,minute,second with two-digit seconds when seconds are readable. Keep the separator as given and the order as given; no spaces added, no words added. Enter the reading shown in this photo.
4,27,17
